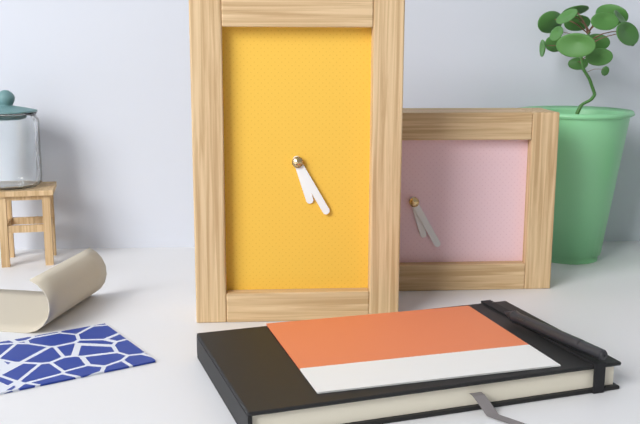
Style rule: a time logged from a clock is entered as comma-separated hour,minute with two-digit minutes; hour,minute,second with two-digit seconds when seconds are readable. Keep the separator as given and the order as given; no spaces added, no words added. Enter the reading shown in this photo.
5,25
